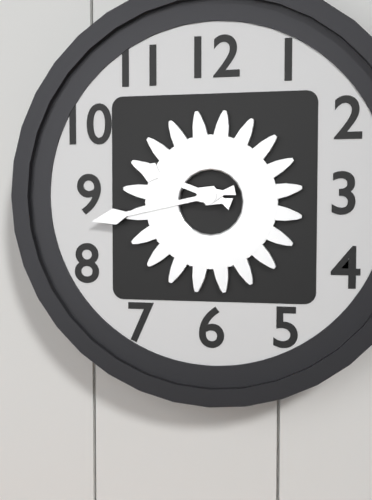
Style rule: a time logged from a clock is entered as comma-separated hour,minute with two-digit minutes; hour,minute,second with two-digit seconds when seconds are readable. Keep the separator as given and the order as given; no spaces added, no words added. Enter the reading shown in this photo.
9,43
